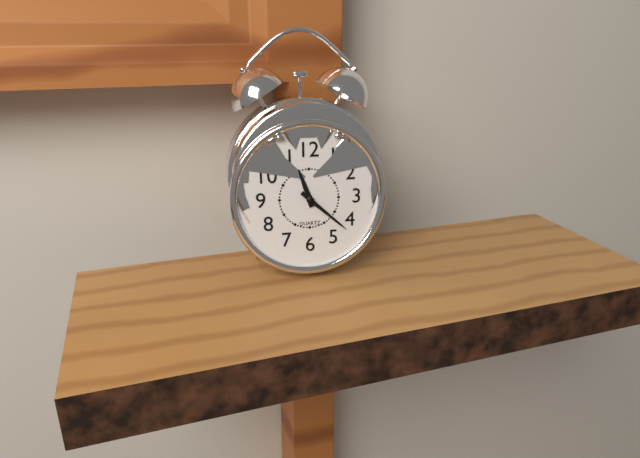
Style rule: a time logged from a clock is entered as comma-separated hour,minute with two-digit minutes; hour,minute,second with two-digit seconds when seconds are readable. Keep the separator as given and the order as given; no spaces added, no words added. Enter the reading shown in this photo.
11,22
